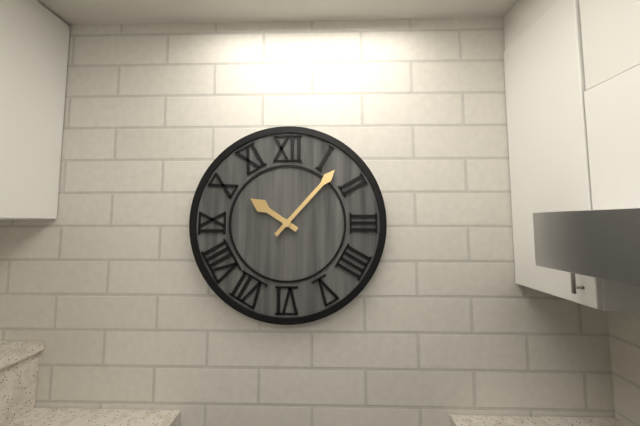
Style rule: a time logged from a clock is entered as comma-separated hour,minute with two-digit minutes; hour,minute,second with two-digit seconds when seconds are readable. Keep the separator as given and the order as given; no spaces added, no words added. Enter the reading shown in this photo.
10,07
